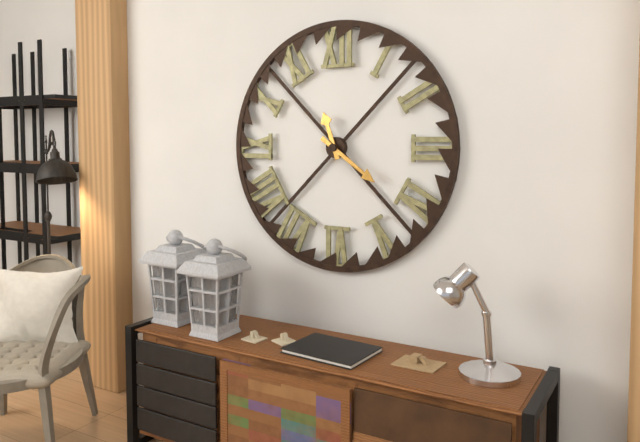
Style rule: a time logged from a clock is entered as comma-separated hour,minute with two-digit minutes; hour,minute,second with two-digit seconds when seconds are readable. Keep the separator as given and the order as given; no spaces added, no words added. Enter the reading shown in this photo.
11,21
